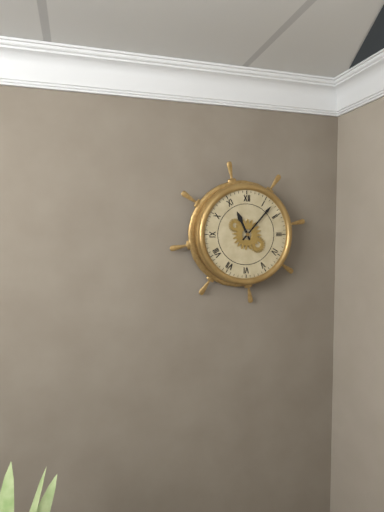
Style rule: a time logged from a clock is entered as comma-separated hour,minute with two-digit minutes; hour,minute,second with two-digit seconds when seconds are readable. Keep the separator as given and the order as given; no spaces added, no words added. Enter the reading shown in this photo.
11,07
